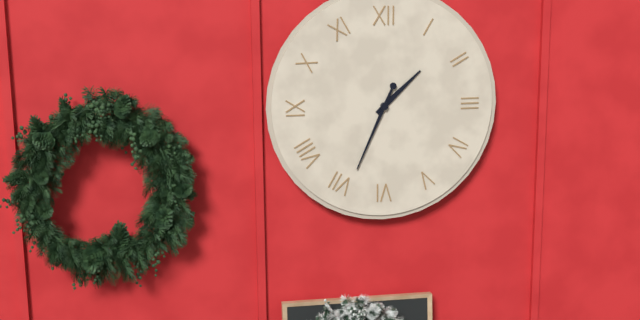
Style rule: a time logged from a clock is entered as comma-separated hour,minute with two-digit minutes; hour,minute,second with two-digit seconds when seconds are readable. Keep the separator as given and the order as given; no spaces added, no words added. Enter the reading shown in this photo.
1,34
